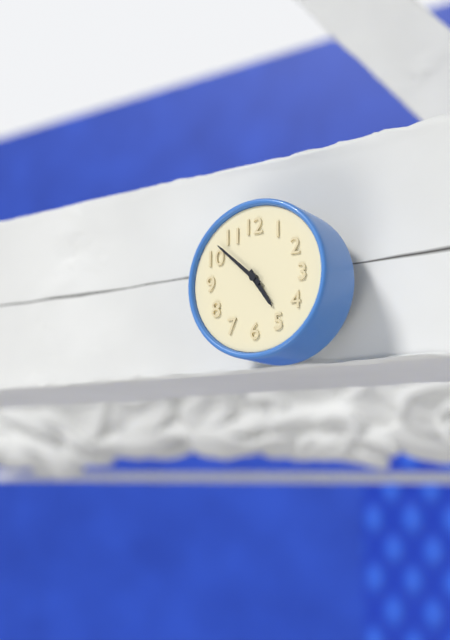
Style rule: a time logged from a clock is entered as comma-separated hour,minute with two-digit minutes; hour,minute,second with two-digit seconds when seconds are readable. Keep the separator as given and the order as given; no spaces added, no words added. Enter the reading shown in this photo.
4,52
